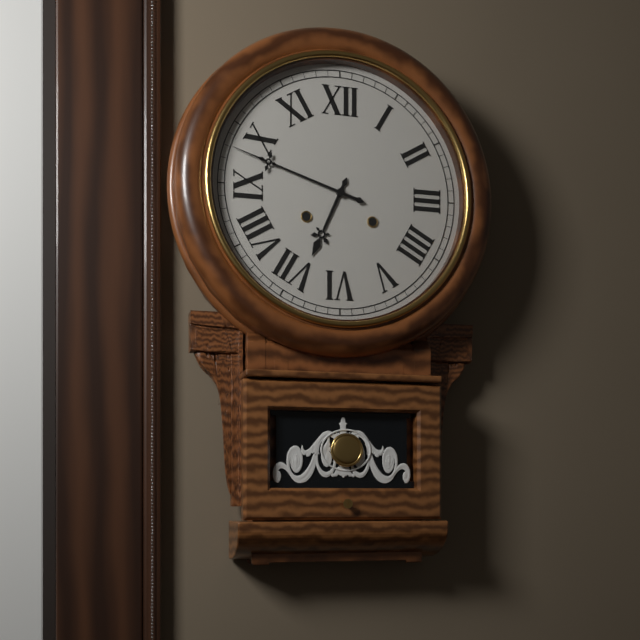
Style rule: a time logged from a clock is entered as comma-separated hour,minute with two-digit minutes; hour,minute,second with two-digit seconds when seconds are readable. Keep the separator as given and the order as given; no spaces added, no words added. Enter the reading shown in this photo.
6,48
